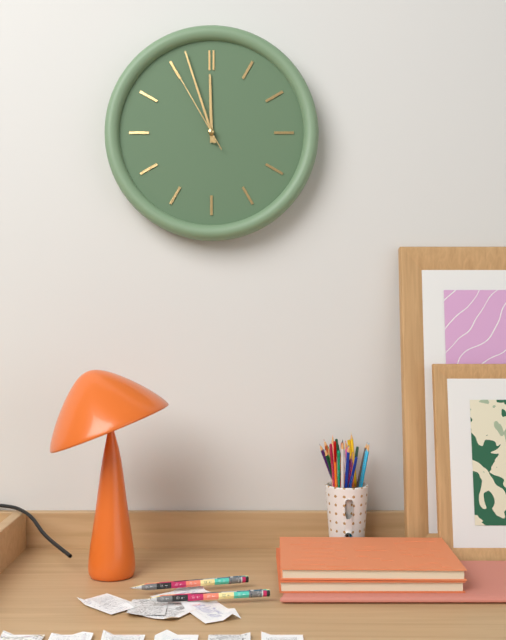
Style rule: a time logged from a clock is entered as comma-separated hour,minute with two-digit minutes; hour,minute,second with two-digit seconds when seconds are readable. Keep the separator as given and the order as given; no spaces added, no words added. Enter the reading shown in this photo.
11,57,55
